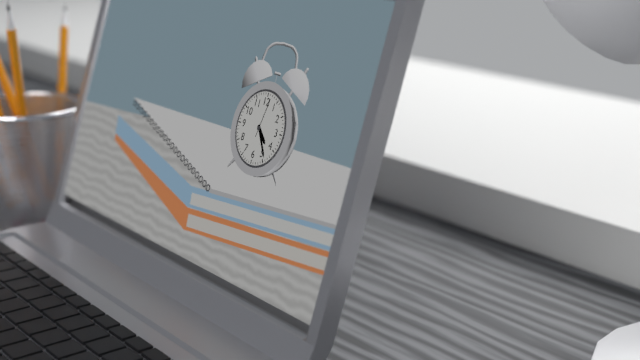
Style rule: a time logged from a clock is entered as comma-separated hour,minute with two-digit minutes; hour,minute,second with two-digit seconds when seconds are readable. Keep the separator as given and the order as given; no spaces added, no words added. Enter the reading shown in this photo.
4,24
